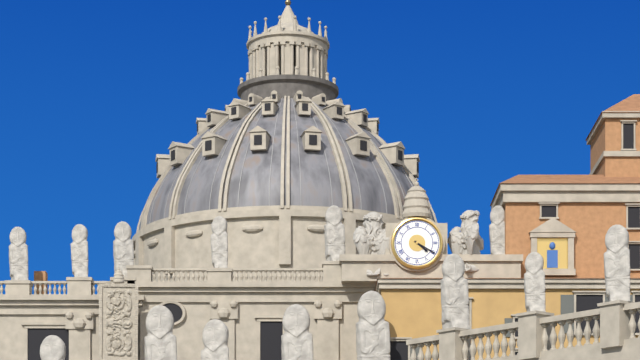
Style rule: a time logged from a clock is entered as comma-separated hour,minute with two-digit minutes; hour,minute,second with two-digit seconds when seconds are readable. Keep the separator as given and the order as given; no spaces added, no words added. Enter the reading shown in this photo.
4,20
